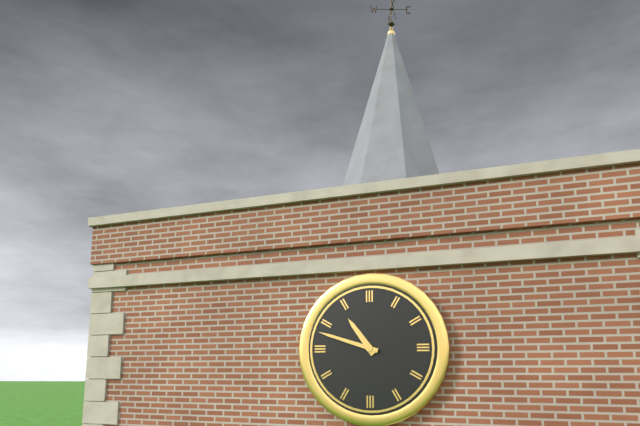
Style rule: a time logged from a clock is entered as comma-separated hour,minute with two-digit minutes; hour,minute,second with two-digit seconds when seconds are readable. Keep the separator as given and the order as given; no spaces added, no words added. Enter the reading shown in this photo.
10,48
